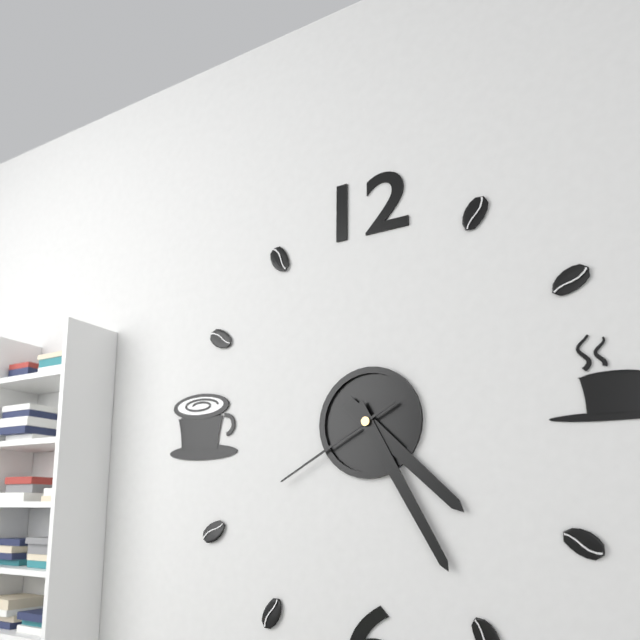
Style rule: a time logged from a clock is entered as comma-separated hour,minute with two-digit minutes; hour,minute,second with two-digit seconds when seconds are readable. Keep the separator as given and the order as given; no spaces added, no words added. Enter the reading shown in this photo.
4,25,40
